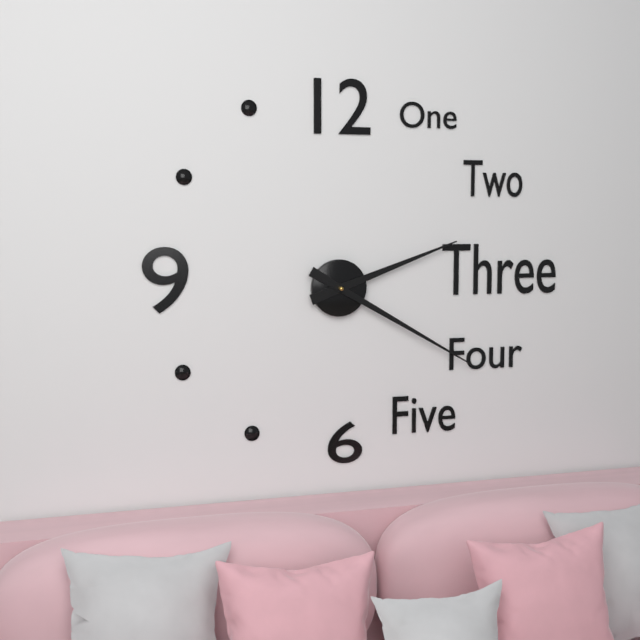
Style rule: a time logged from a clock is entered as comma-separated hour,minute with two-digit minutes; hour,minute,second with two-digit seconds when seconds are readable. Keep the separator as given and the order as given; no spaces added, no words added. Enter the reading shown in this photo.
2,20
